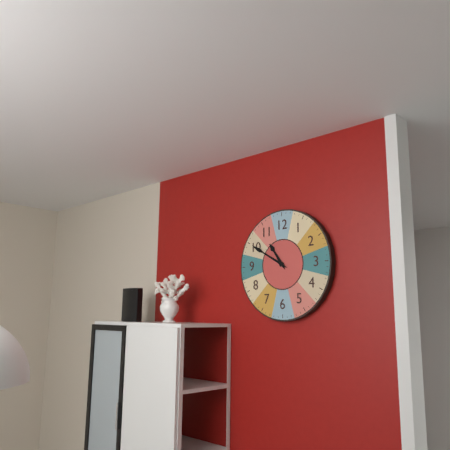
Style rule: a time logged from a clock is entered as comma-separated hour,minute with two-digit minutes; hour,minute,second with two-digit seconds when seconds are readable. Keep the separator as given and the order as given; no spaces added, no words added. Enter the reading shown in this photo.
10,50
